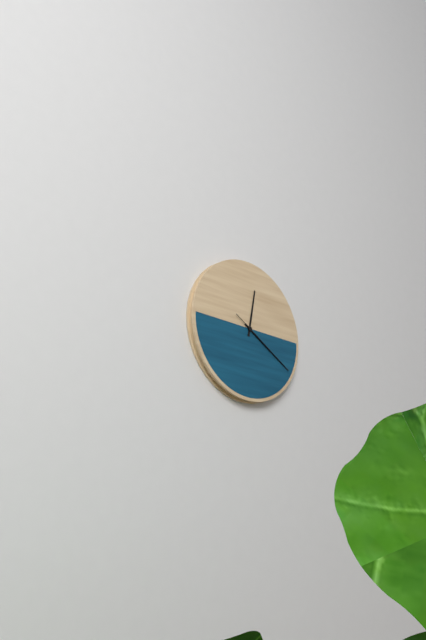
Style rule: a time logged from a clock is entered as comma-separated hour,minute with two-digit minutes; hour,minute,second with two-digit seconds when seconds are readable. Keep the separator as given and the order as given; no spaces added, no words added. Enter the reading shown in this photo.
12,20,20
